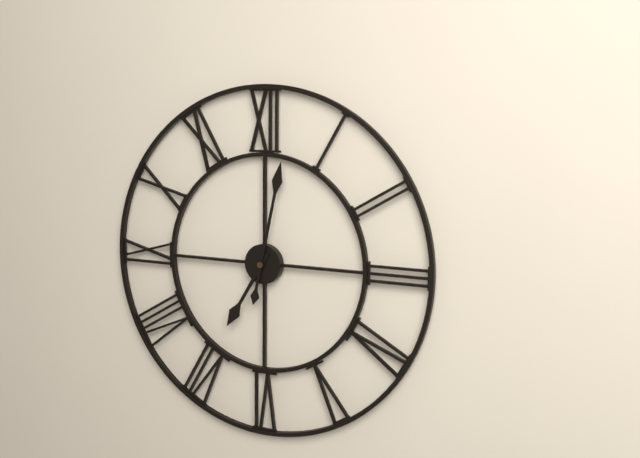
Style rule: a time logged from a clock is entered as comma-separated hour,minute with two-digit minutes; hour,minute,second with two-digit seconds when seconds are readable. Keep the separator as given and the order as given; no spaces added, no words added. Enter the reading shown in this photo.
7,02
